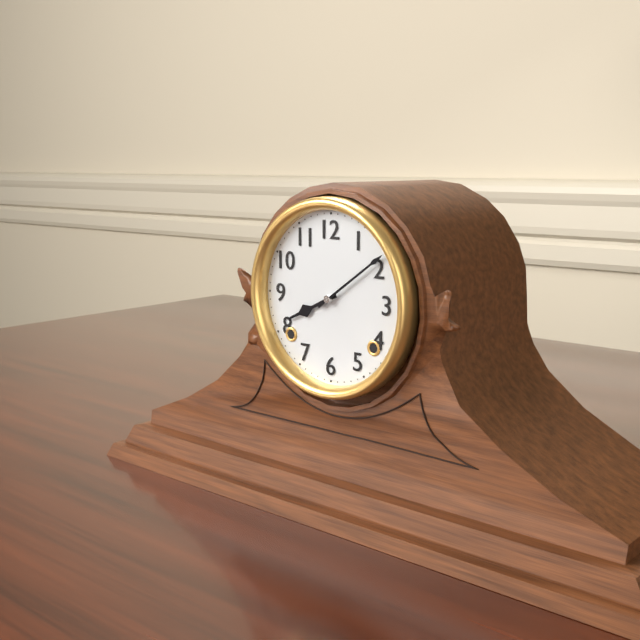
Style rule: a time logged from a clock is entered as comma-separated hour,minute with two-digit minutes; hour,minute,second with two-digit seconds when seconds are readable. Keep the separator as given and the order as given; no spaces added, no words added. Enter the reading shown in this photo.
8,09
